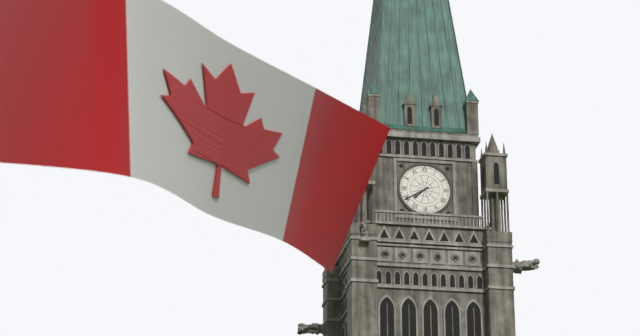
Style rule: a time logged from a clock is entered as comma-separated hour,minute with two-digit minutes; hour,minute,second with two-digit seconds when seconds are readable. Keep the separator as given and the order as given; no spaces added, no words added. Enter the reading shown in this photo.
7,40
